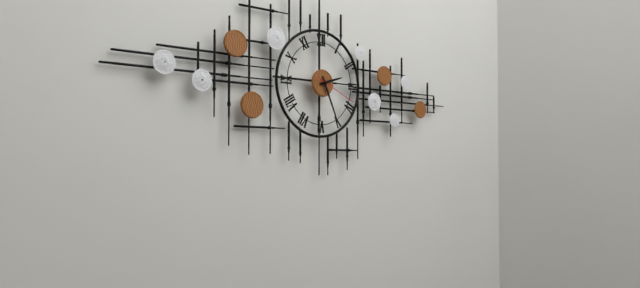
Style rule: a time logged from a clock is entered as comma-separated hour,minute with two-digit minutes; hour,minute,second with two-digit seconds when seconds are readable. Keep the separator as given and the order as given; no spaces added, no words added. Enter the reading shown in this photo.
2,26
